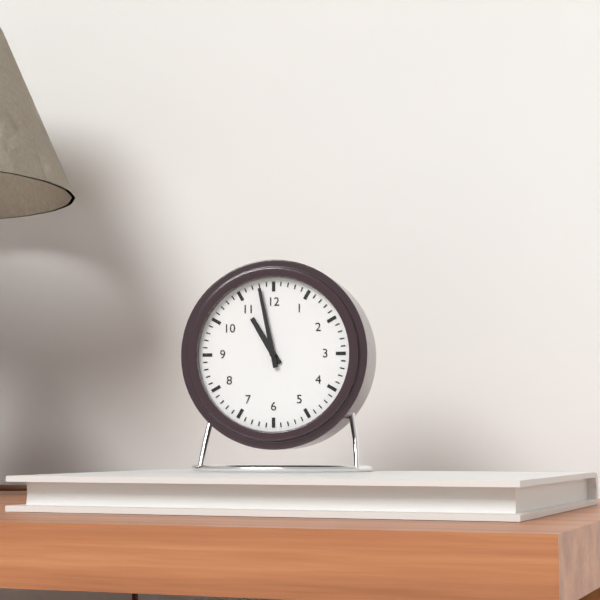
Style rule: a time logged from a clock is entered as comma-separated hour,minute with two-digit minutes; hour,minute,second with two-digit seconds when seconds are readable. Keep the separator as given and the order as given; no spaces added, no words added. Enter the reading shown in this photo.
10,58
